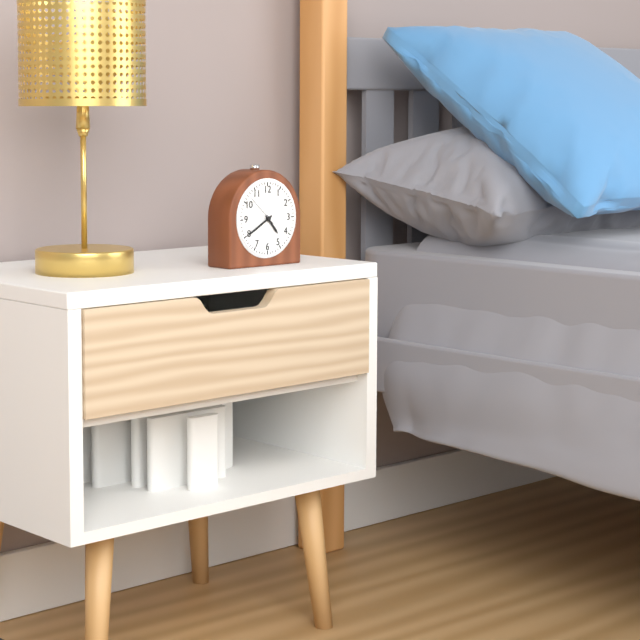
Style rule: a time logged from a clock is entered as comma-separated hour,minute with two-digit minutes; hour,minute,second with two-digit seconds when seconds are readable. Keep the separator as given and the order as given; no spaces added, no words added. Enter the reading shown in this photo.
4,40
